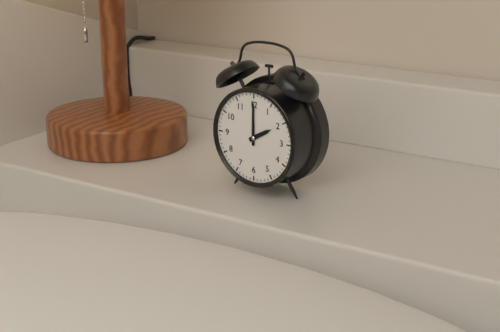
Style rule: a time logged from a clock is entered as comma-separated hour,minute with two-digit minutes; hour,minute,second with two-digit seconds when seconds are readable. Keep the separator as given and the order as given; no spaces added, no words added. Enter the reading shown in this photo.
2,00
